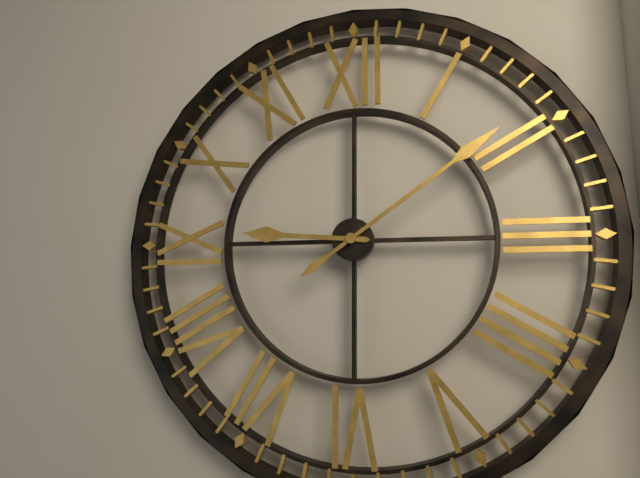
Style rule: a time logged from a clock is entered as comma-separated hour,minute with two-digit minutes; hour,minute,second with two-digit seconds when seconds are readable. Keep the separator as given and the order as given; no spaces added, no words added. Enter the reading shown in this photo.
9,09
